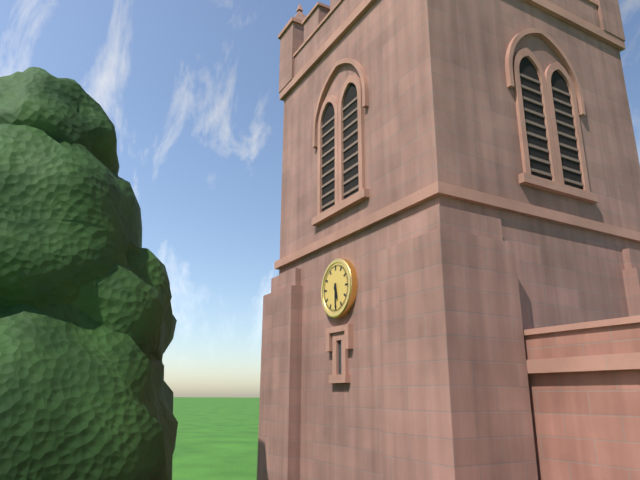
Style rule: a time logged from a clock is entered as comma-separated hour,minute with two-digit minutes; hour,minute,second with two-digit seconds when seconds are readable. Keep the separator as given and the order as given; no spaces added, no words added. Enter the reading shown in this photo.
5,30
